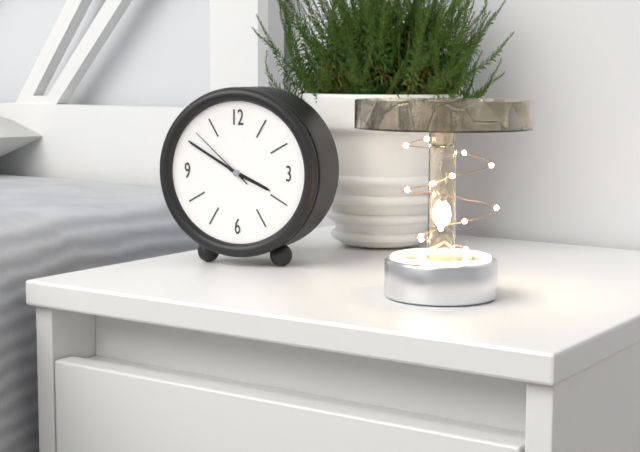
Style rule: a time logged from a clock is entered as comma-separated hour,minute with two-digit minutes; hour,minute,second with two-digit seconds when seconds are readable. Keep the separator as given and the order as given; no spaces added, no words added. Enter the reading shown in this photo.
3,50,52
